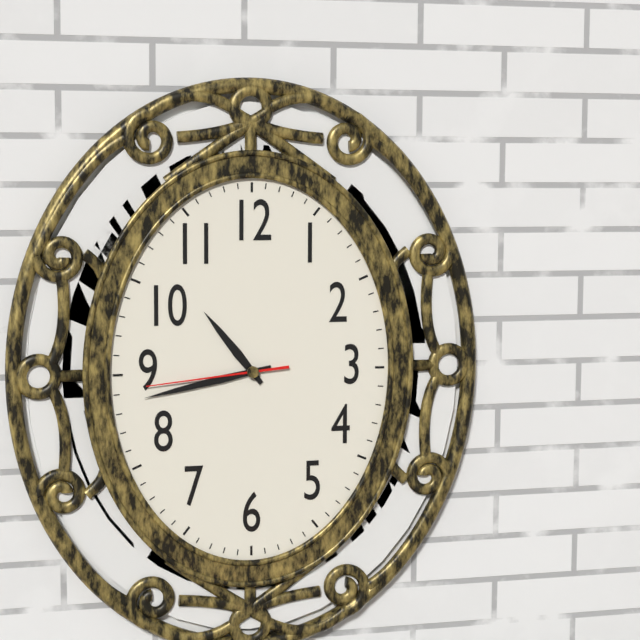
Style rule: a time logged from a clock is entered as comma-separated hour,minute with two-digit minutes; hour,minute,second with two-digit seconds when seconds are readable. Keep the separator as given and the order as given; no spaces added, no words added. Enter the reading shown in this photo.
10,43,44
